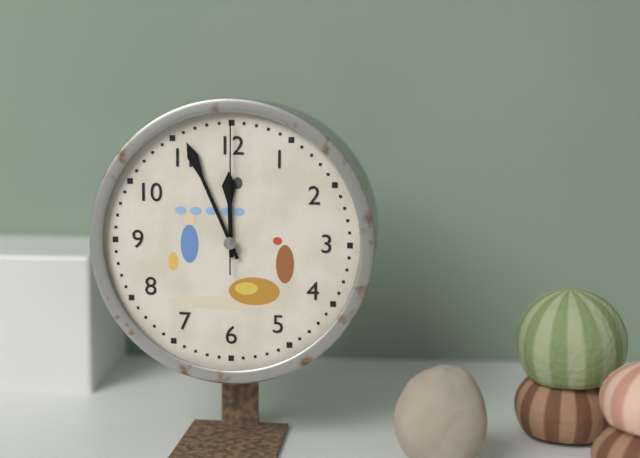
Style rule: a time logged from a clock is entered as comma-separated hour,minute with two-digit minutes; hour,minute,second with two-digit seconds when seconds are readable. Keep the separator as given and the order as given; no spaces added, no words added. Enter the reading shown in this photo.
11,56,00
